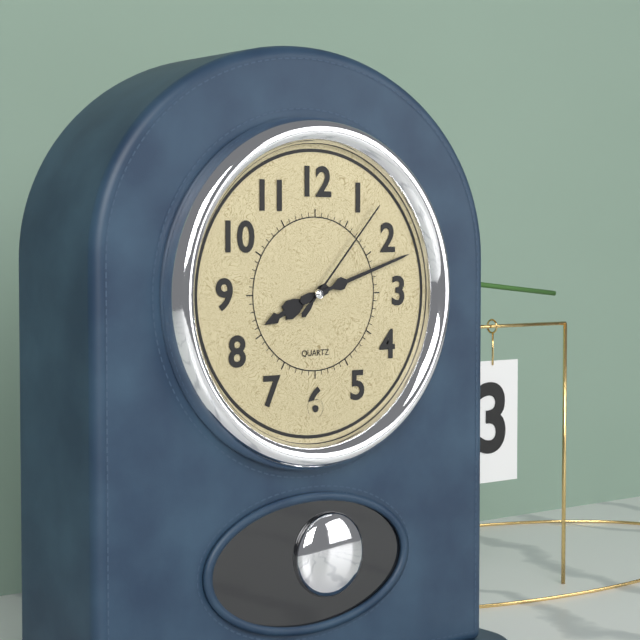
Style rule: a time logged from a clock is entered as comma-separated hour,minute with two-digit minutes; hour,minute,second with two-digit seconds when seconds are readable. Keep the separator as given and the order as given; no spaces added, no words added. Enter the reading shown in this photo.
8,12,07
